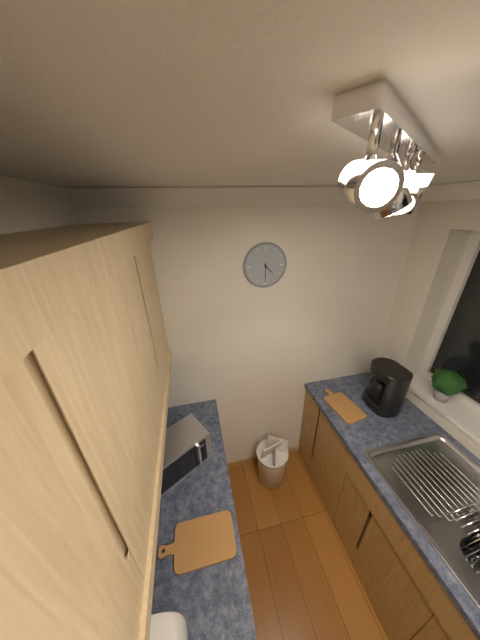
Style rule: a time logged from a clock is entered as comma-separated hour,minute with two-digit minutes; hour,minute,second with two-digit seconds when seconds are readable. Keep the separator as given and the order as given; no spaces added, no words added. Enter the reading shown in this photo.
4,30
